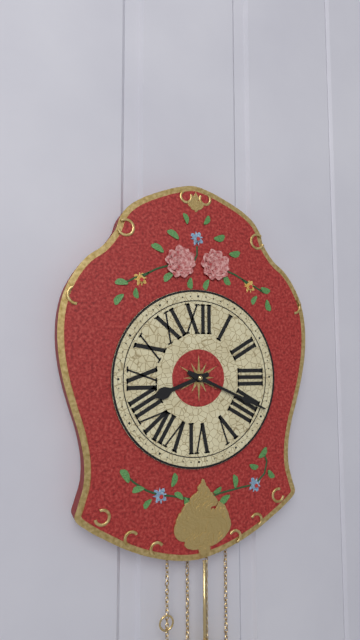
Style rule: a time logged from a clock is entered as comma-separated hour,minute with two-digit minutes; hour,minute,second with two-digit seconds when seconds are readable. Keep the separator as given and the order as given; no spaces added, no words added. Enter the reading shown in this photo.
8,19
